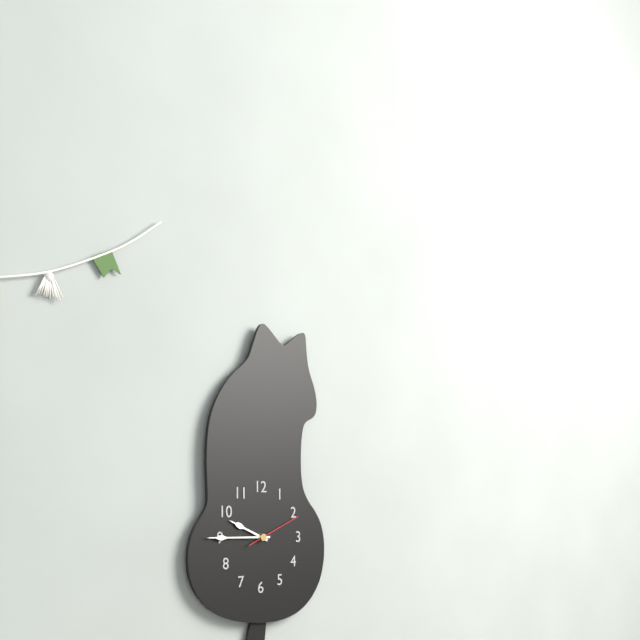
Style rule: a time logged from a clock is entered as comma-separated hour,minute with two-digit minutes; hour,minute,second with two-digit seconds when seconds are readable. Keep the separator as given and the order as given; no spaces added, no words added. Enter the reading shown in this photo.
9,45,11
